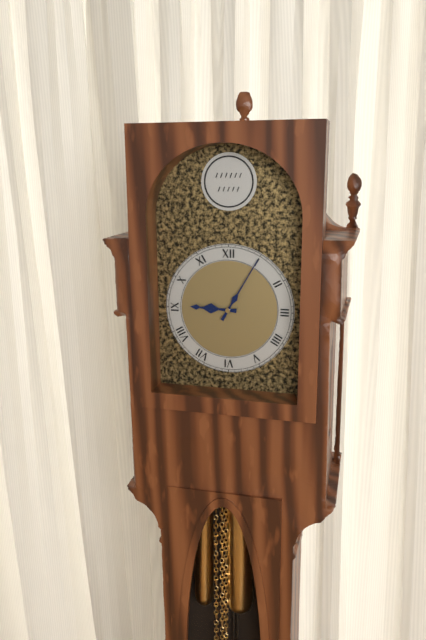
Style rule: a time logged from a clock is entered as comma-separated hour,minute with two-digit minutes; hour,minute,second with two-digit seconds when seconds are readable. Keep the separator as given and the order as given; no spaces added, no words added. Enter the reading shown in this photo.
9,05
